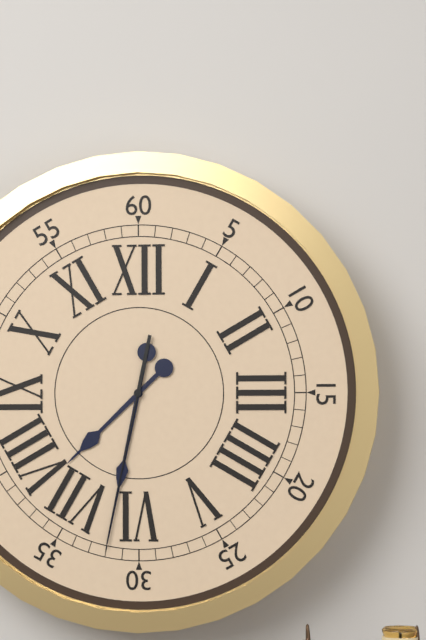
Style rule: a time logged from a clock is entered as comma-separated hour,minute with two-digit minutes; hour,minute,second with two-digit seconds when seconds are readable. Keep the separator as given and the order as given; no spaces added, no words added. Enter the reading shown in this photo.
7,32,32
